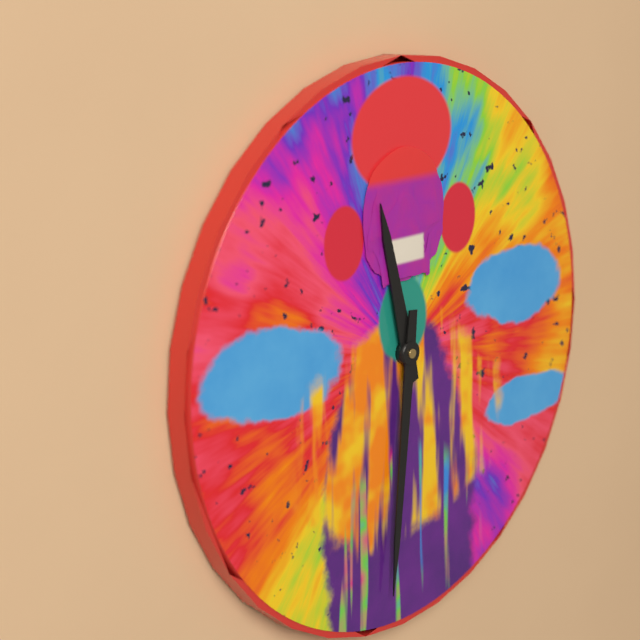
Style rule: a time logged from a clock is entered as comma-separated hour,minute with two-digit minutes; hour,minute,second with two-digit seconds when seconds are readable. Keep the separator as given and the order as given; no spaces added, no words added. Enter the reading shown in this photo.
11,31
